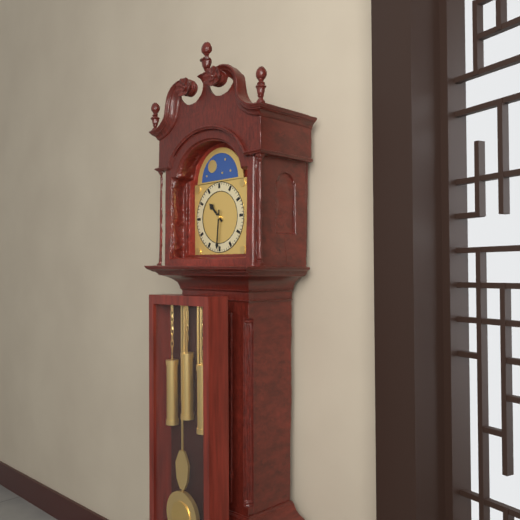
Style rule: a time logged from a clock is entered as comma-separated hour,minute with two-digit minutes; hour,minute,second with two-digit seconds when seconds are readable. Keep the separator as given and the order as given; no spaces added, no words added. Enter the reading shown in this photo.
10,31
